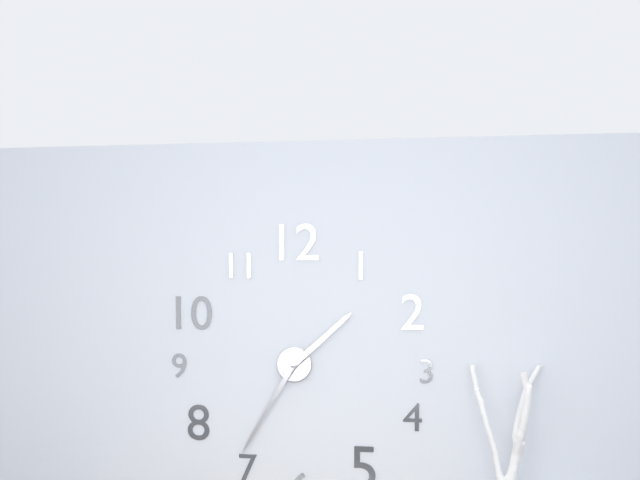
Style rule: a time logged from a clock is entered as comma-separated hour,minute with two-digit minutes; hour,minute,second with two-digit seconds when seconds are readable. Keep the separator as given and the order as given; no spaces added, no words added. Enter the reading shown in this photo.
1,35
